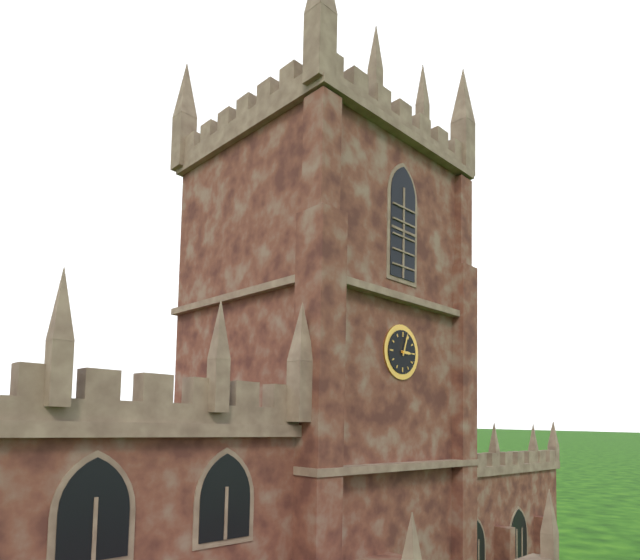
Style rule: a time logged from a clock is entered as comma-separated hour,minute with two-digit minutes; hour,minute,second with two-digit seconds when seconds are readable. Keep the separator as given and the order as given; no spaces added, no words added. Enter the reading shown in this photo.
3,03
